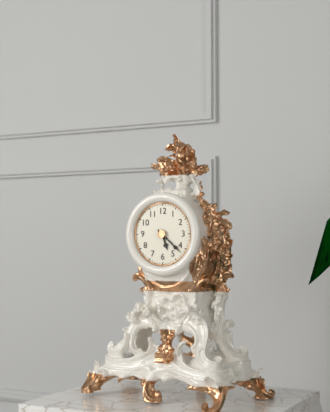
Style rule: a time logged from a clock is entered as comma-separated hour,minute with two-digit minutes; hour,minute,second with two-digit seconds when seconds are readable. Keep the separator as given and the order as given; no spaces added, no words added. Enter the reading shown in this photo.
5,22
